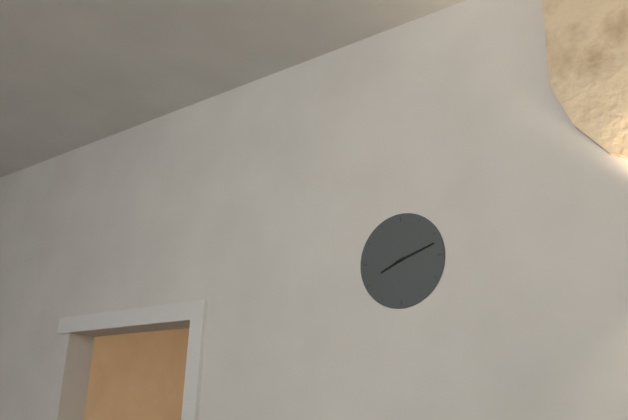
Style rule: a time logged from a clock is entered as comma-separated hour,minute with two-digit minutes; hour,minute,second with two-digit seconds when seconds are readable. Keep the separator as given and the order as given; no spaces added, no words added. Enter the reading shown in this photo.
8,12
